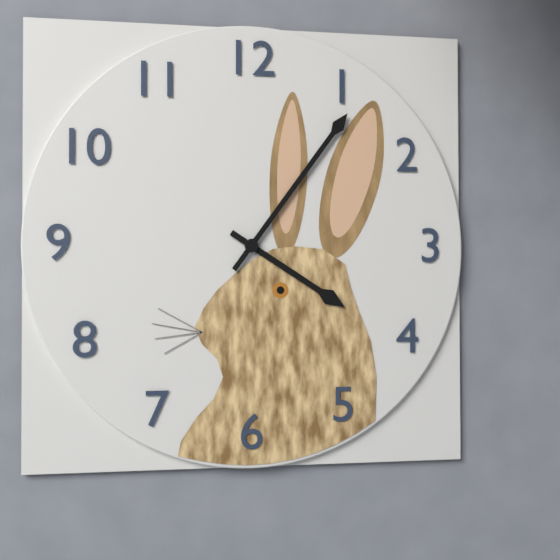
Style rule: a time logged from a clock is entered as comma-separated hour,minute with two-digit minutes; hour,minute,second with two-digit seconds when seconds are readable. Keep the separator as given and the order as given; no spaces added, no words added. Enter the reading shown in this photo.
4,06
